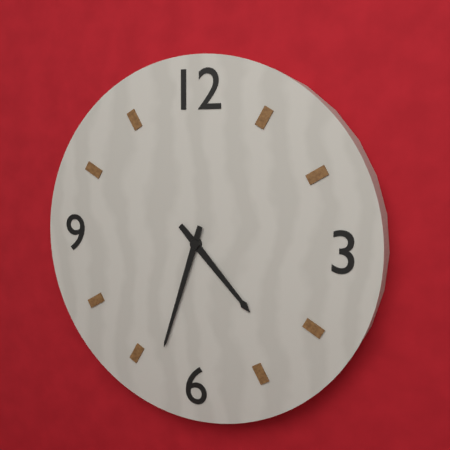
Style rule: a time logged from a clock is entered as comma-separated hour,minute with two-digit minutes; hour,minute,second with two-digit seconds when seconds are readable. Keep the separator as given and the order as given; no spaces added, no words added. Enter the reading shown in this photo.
4,33
